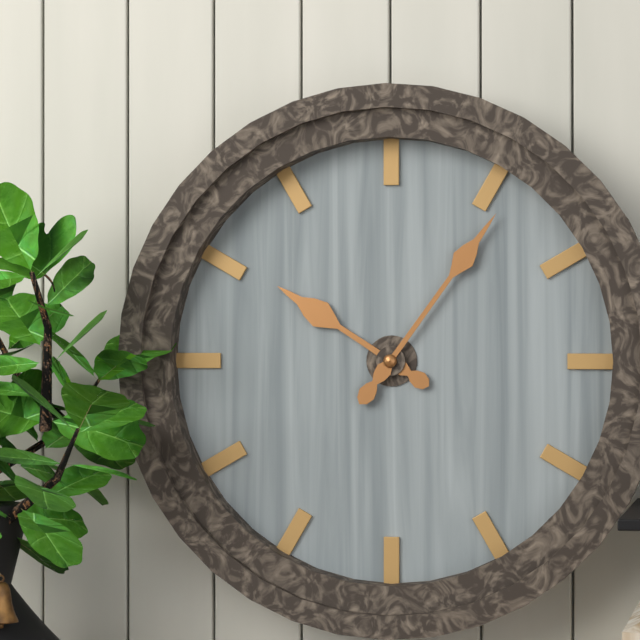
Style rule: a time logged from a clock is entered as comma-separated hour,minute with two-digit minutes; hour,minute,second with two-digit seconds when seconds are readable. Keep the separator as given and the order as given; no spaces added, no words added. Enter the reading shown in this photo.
10,06
